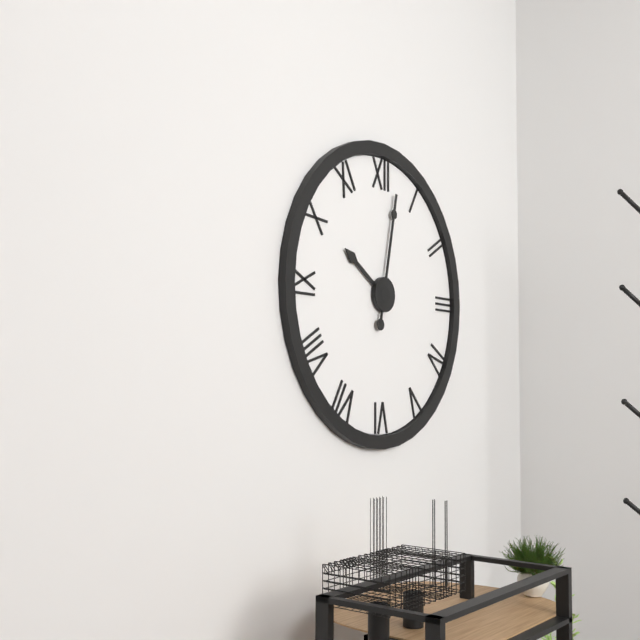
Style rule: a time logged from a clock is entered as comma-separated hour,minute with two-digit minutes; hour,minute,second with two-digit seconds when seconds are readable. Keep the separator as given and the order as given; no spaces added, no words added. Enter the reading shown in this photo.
10,02
